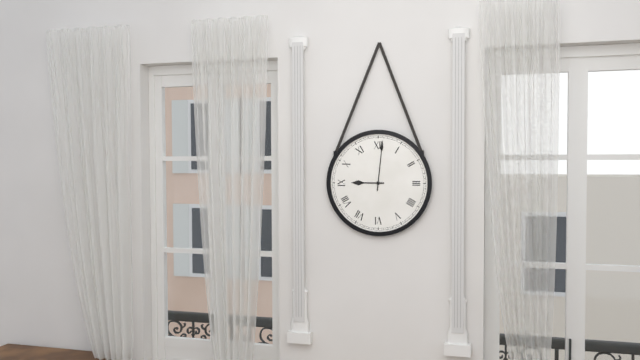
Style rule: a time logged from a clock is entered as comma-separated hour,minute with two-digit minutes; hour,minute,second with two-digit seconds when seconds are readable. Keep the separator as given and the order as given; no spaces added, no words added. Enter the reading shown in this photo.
9,01
